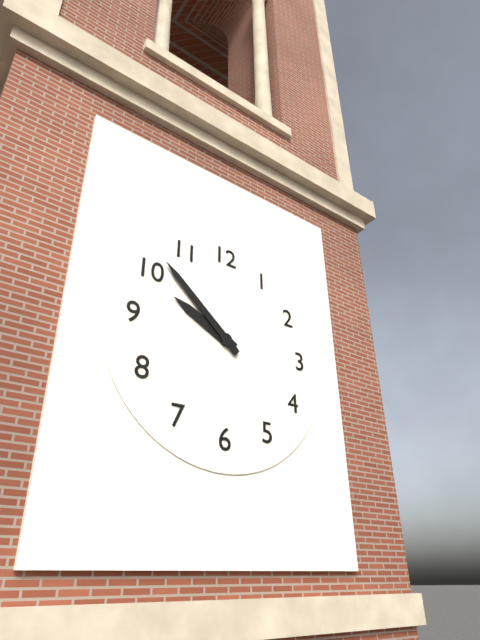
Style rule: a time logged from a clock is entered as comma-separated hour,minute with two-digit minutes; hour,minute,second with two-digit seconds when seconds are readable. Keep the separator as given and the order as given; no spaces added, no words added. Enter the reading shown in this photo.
9,52
